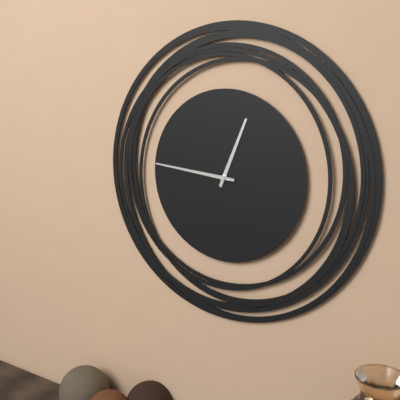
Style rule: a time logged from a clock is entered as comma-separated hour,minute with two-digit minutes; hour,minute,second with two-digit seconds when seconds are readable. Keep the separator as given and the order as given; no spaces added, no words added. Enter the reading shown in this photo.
12,46
